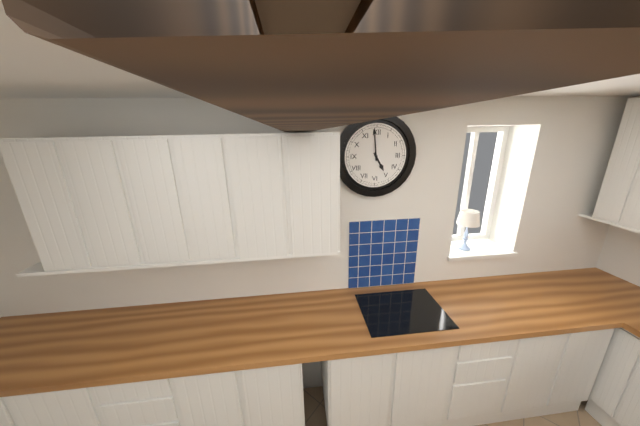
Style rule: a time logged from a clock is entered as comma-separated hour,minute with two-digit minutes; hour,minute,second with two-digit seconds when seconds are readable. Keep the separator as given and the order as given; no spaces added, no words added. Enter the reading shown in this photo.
4,59
